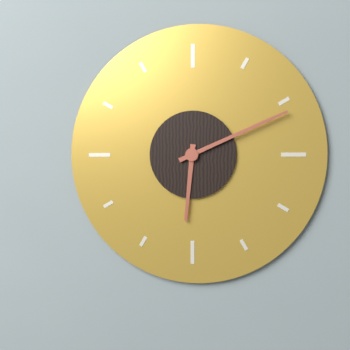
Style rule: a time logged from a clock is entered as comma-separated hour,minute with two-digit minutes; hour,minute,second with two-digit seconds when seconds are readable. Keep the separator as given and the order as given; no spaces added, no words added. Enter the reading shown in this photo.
6,11
